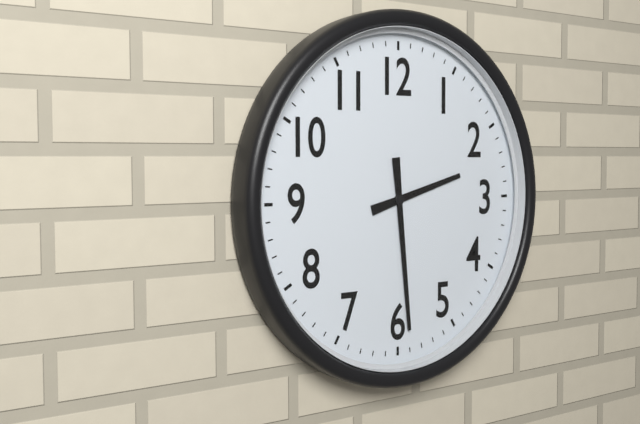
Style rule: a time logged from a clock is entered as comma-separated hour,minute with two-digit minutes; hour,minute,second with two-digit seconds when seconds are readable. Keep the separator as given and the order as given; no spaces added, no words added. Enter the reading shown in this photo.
2,29
